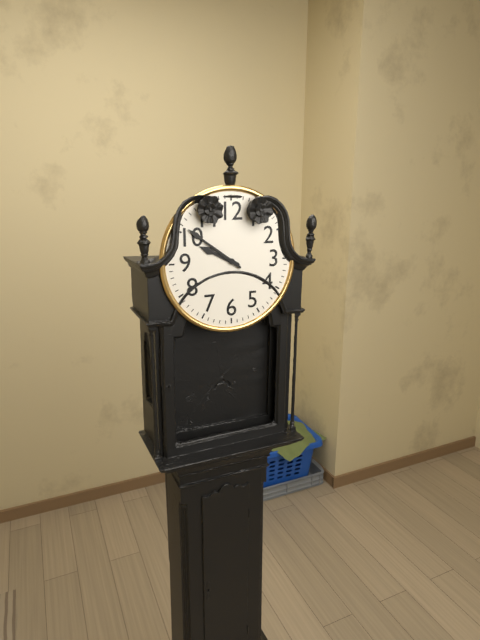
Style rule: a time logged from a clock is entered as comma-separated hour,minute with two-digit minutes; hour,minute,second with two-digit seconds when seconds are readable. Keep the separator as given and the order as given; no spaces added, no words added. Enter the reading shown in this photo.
9,51
